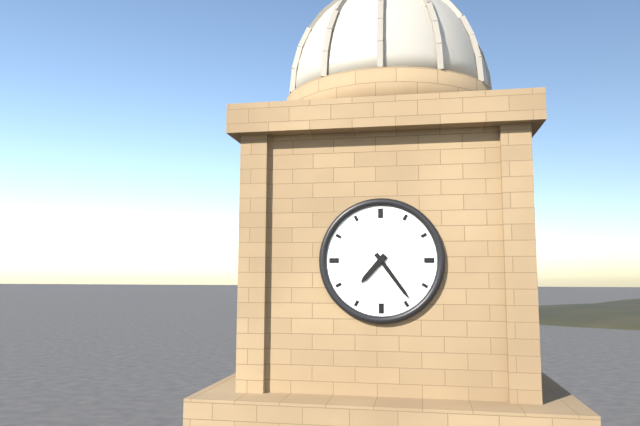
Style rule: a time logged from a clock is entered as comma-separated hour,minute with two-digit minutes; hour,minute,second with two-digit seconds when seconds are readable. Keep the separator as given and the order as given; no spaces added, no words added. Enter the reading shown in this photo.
7,24
